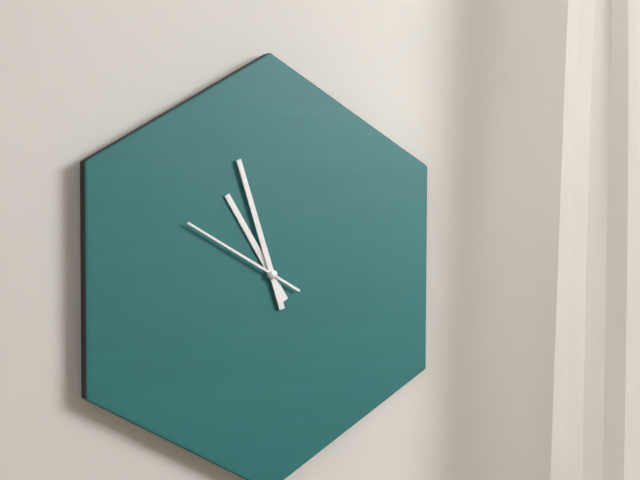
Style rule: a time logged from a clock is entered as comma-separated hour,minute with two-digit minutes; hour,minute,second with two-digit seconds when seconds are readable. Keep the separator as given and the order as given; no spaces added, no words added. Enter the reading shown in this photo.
10,57,50
